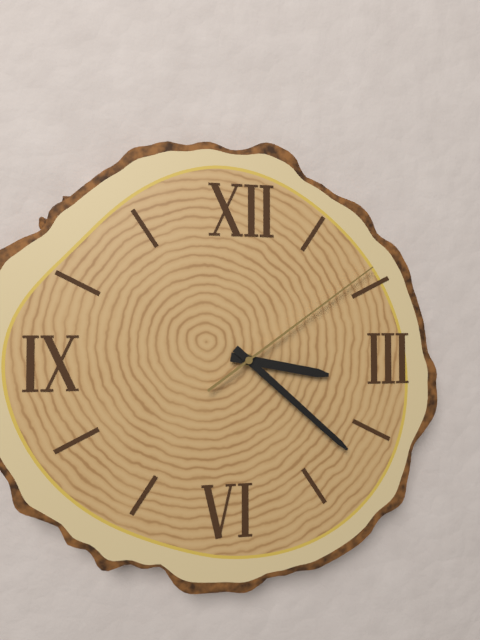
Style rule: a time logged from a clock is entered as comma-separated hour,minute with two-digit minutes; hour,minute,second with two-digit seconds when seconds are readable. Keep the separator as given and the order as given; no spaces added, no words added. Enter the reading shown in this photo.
3,22,09
